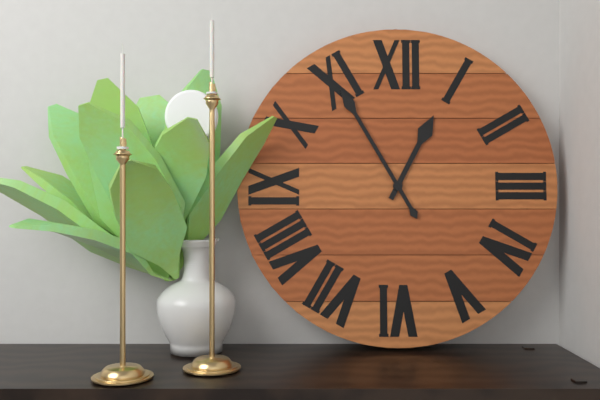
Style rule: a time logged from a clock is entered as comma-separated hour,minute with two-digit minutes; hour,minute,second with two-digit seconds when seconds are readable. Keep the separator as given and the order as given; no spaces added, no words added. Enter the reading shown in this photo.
12,55
